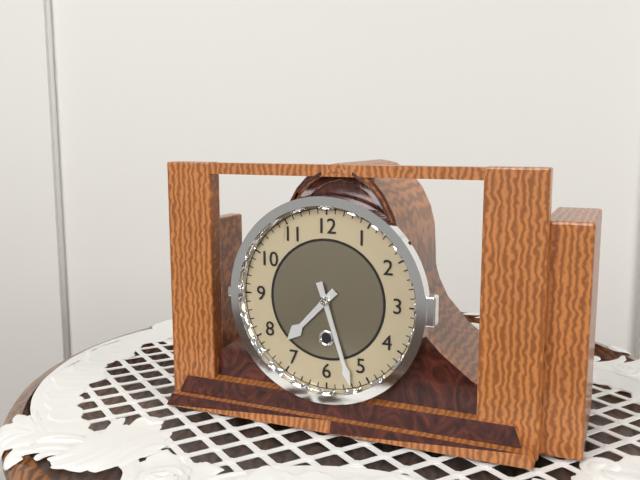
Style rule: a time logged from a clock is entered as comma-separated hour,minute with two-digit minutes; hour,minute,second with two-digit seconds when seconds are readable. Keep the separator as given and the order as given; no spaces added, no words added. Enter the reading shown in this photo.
7,27
